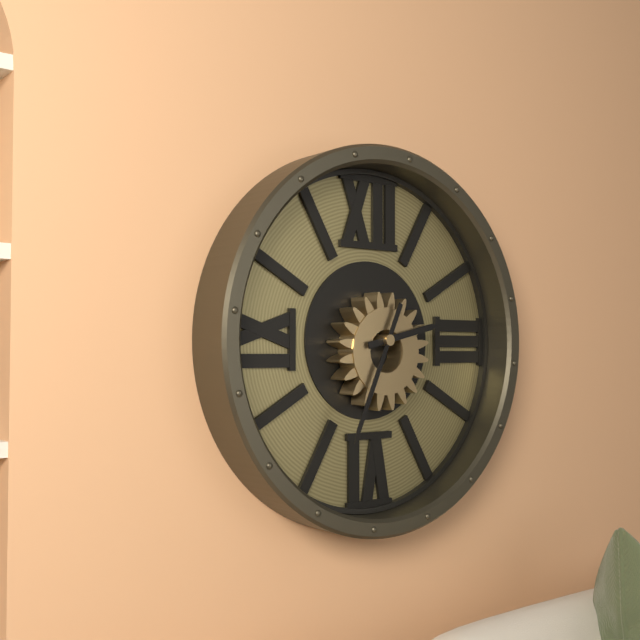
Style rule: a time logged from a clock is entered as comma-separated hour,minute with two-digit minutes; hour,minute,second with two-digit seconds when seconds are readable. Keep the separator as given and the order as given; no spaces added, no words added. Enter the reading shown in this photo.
2,34
